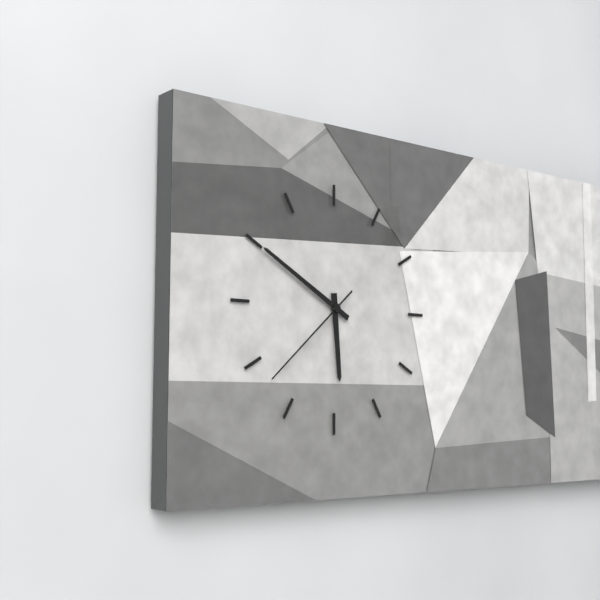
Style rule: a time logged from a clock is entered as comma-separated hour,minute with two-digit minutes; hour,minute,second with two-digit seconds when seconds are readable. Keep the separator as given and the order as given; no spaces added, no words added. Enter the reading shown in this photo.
5,50,38
